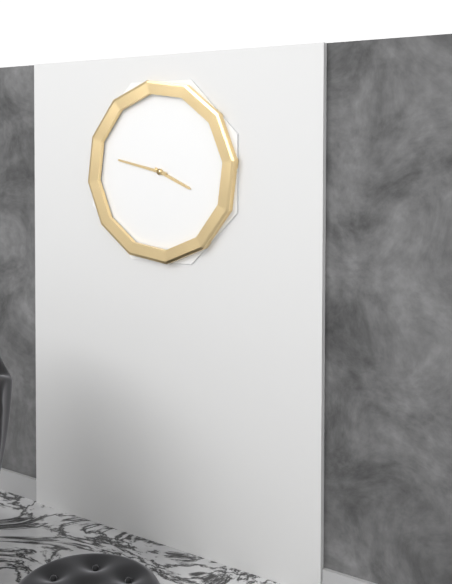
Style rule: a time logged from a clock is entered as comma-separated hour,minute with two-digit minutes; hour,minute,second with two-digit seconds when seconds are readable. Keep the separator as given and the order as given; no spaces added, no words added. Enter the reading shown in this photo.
3,47
